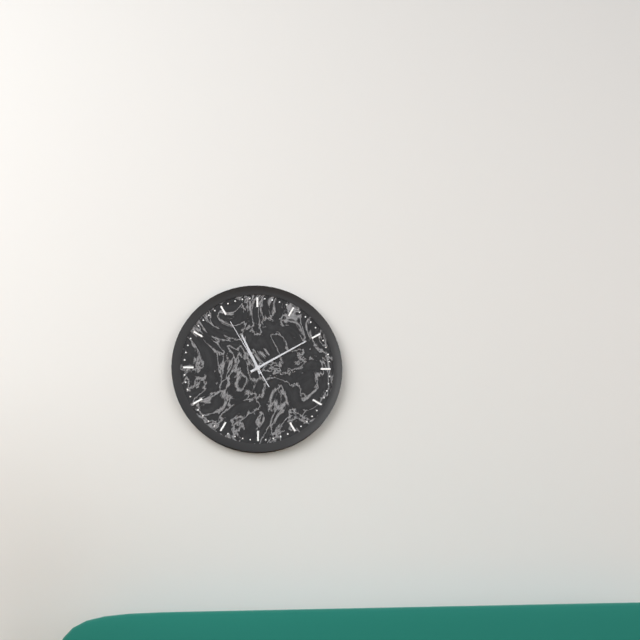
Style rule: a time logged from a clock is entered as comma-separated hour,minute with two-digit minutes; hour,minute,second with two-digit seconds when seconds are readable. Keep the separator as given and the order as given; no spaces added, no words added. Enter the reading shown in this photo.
11,10,55
